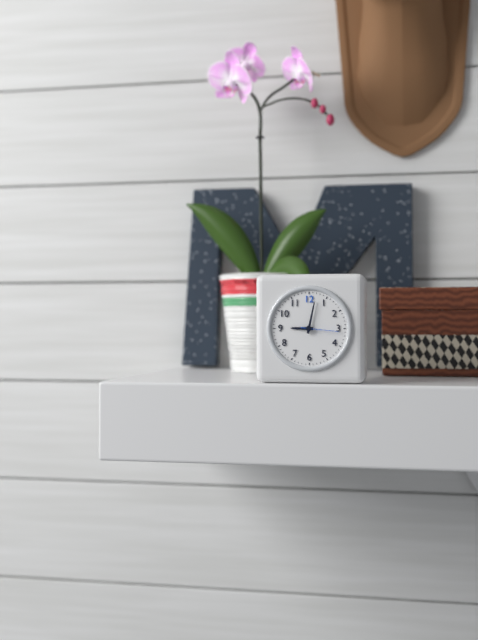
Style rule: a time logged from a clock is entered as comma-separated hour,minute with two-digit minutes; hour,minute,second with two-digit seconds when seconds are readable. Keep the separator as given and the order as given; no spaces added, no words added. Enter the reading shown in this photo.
9,02
